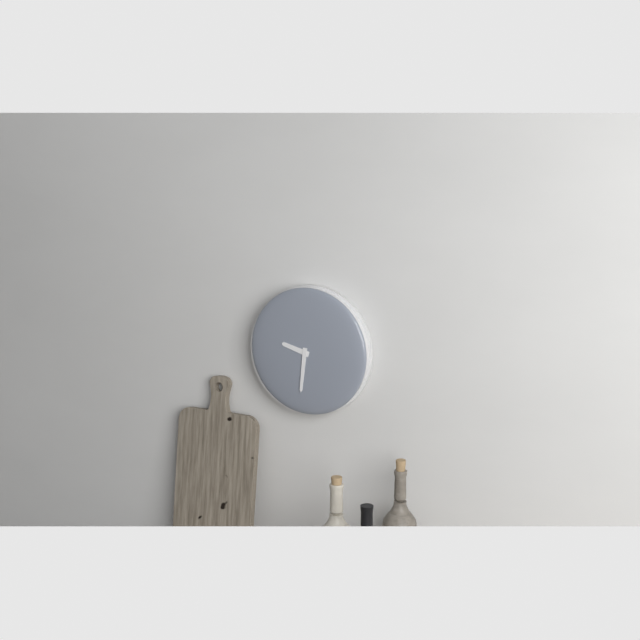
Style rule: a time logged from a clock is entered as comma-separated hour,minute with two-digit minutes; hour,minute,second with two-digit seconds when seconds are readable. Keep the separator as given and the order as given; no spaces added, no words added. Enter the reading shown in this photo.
9,31
